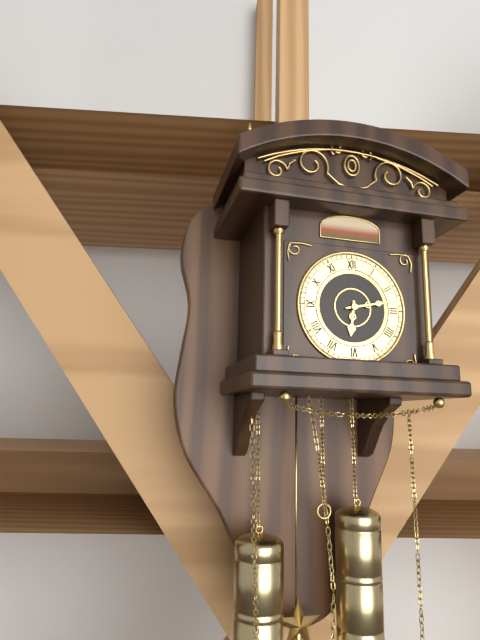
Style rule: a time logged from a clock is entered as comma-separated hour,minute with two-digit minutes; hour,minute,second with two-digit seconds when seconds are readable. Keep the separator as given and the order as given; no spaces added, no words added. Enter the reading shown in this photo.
6,13
